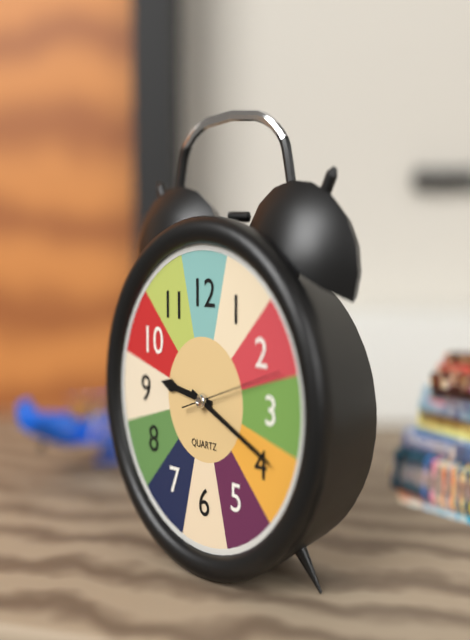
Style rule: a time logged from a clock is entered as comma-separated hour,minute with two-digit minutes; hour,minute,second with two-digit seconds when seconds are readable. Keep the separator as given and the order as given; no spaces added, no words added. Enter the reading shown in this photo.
9,19,12
